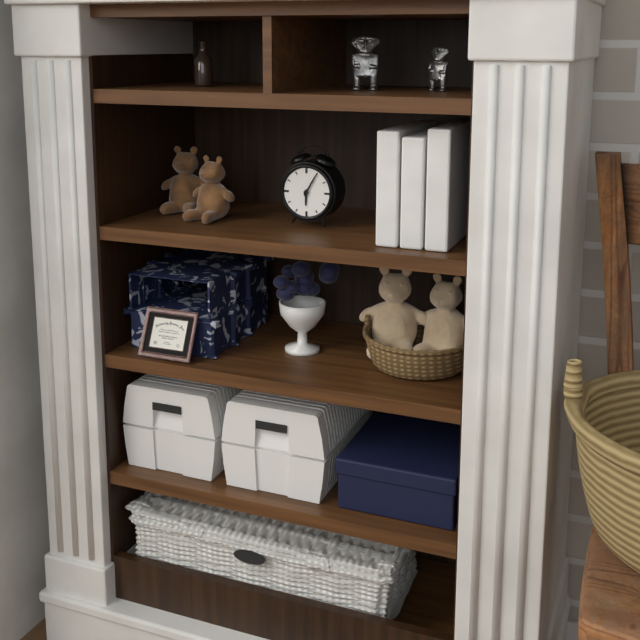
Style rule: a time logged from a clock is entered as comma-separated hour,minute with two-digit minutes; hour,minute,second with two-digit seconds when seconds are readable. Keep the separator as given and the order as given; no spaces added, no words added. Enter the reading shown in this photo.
6,05
